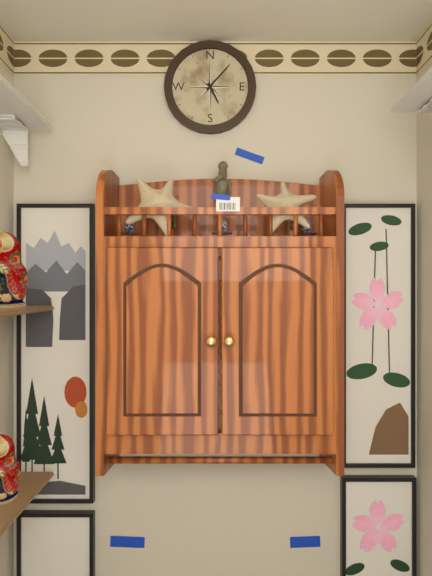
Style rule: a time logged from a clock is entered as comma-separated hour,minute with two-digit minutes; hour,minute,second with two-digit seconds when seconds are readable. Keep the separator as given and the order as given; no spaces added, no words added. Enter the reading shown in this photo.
5,07
